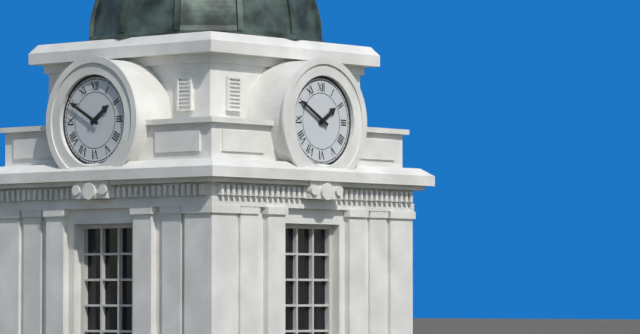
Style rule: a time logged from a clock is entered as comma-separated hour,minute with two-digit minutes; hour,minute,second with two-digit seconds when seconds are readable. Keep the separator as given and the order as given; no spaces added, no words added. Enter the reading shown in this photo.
1,50
